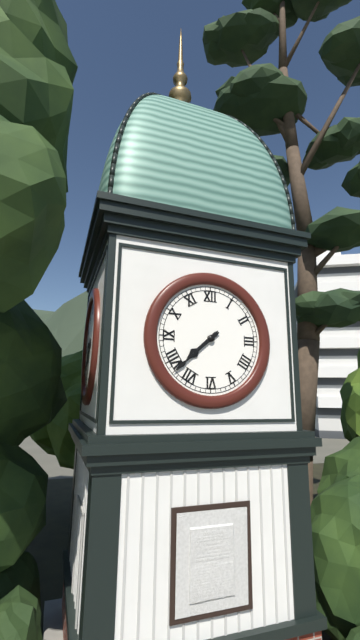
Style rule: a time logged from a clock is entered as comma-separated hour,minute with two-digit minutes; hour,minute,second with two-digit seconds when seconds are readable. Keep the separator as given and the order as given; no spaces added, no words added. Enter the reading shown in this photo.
7,38
